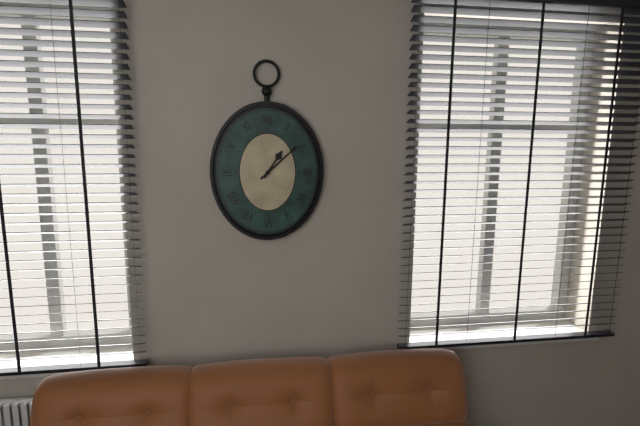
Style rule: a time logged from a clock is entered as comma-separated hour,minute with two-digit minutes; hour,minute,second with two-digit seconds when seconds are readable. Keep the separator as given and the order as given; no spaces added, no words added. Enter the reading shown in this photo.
1,08
